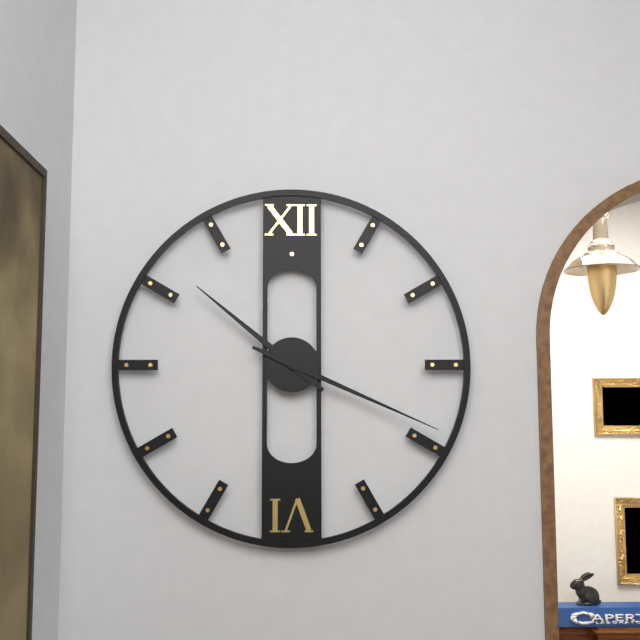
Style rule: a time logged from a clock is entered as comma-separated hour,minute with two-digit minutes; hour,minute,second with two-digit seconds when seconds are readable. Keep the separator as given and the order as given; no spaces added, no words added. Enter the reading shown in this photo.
10,19
